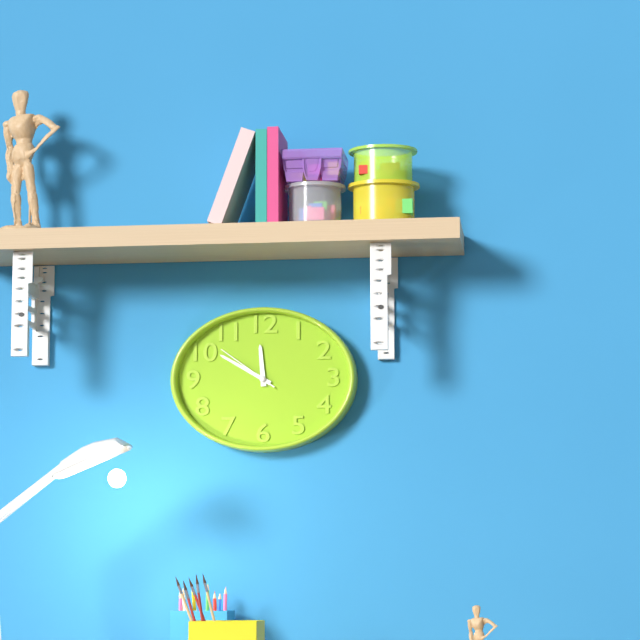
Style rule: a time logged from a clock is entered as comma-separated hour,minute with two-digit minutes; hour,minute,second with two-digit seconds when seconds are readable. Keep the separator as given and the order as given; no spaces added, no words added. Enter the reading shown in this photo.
11,50,51
